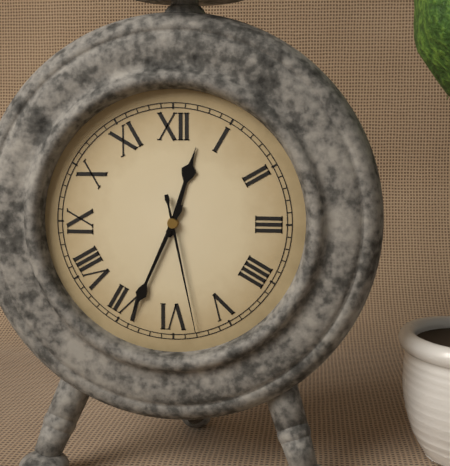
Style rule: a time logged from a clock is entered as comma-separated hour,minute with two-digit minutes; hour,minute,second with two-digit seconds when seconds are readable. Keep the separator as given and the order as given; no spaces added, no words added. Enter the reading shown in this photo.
12,34,28
